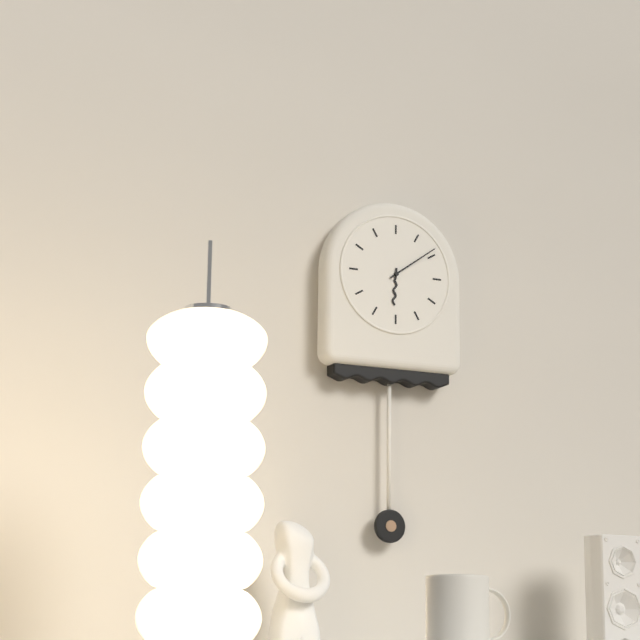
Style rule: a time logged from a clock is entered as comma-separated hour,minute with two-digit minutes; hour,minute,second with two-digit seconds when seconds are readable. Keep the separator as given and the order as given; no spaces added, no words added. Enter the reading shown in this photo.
6,09
